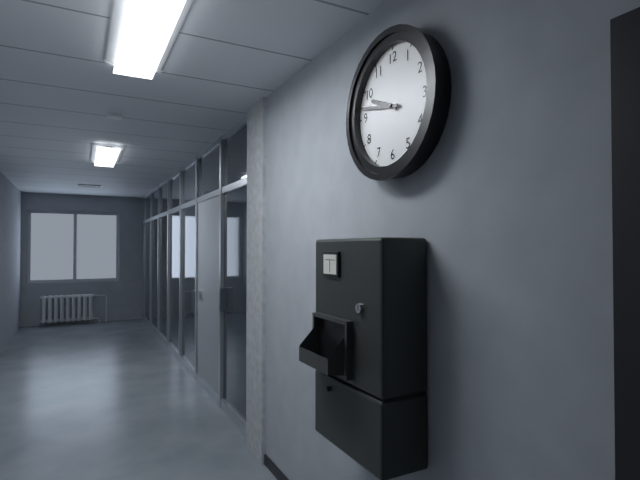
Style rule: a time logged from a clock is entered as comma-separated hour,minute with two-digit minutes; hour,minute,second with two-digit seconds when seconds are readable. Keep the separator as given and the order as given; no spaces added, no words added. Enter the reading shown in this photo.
9,47
